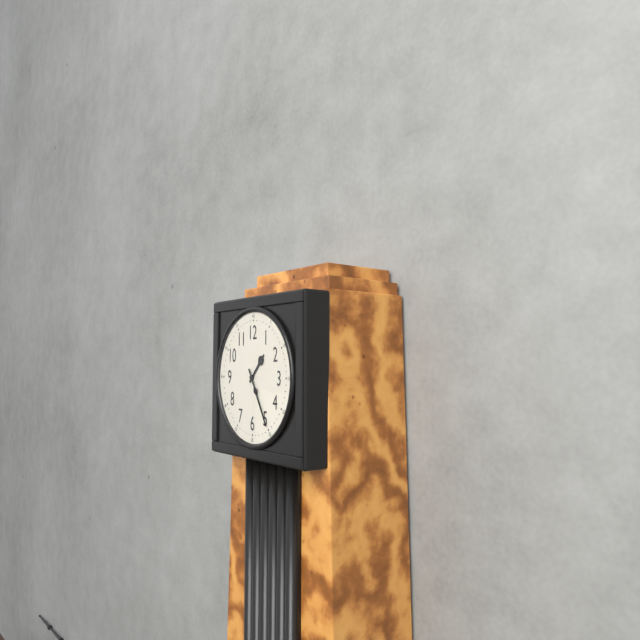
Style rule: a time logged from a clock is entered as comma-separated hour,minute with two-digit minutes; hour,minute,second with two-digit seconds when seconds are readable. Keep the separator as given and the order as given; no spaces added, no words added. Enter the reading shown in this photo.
1,25
